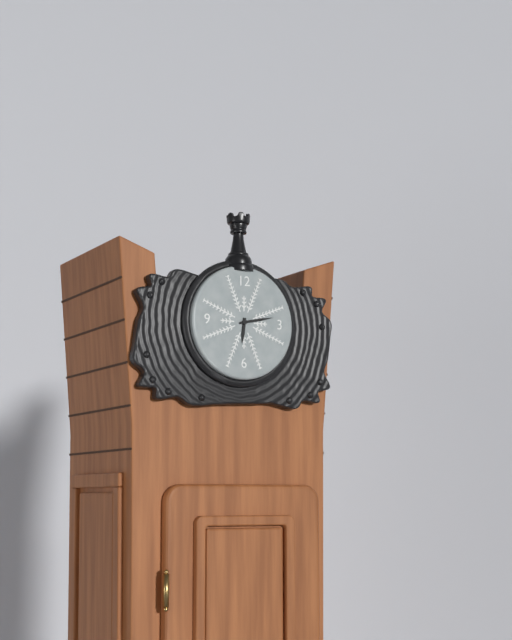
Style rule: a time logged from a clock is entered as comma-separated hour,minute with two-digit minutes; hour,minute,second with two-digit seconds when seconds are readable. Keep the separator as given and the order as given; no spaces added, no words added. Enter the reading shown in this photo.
6,13
